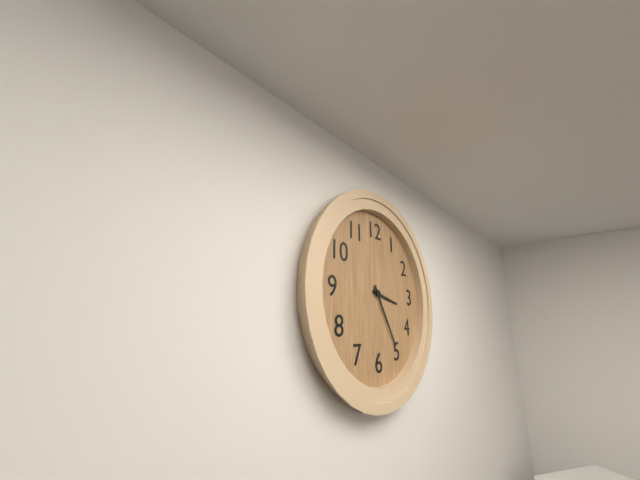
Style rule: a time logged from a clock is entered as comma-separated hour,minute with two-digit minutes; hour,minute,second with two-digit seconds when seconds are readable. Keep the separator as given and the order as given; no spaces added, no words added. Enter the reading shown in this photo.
3,25
